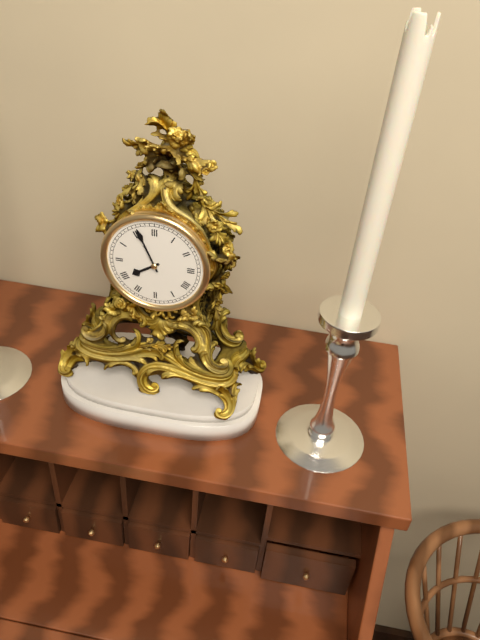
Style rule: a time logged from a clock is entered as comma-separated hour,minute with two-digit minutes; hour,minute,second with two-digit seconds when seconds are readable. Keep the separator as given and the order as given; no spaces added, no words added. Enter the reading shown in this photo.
7,56
